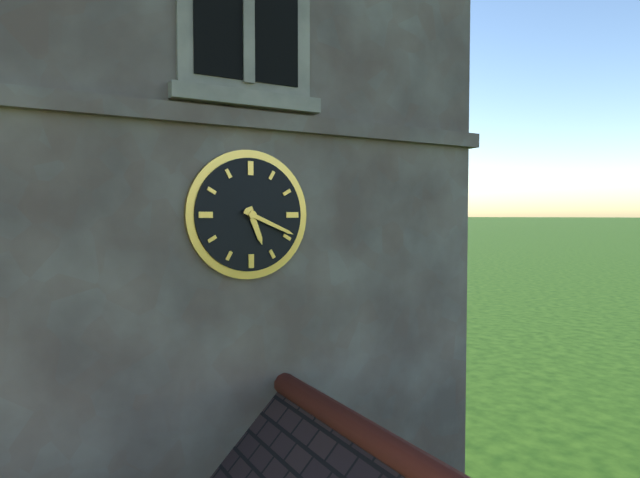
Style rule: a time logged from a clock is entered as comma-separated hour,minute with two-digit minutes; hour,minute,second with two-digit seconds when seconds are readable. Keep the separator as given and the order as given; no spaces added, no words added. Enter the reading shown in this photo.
5,19
